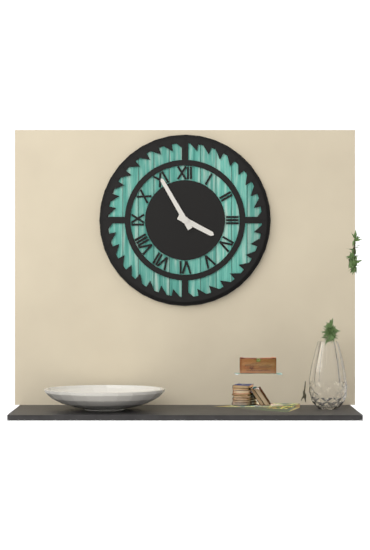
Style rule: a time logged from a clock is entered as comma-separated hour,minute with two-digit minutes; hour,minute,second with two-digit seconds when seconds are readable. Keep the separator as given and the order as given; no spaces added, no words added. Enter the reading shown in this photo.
3,55
